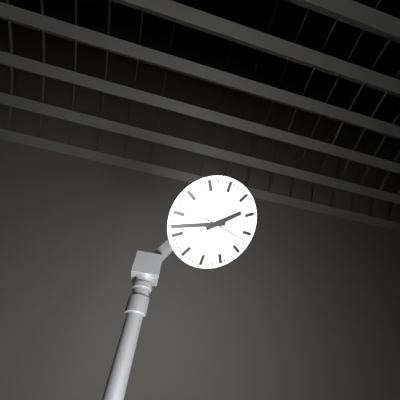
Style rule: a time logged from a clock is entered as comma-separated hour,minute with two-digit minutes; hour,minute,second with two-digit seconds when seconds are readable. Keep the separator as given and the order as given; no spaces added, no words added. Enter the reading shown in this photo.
1,42
